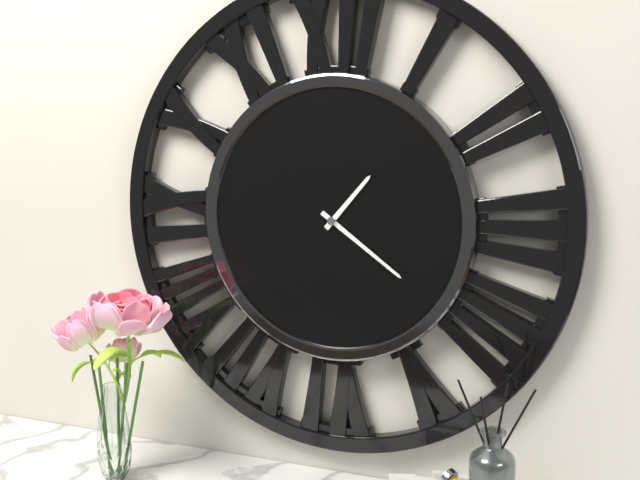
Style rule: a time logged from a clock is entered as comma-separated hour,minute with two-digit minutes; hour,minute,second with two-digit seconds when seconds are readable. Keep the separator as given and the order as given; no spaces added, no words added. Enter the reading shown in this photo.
1,21
